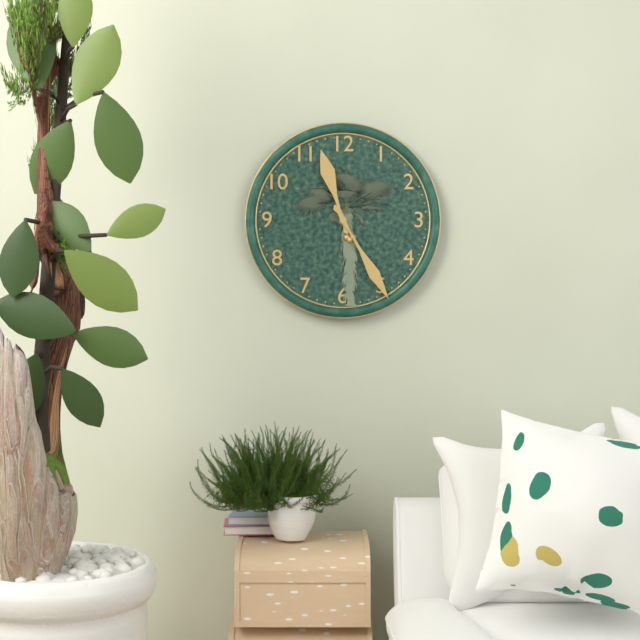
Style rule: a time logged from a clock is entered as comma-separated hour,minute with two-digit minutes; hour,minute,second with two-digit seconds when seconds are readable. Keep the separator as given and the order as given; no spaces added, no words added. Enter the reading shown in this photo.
11,25
